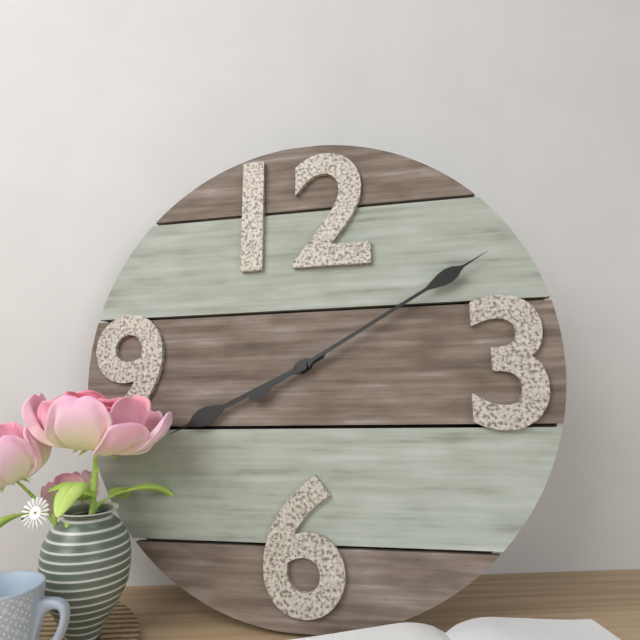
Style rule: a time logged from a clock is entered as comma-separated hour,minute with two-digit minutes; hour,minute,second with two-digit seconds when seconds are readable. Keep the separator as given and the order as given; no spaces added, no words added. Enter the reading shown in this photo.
8,10
